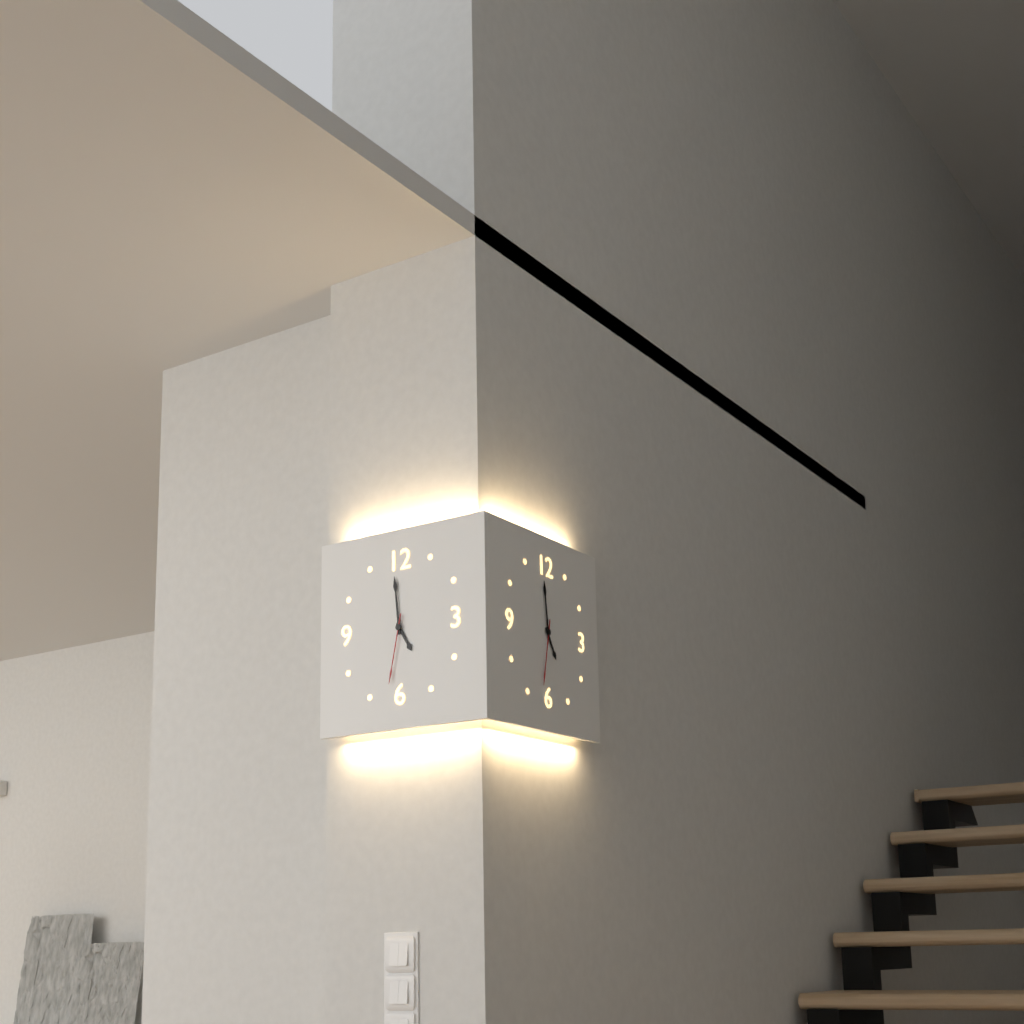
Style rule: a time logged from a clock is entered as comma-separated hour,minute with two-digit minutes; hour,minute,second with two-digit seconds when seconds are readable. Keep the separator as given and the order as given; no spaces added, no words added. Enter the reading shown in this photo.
4,59,32
